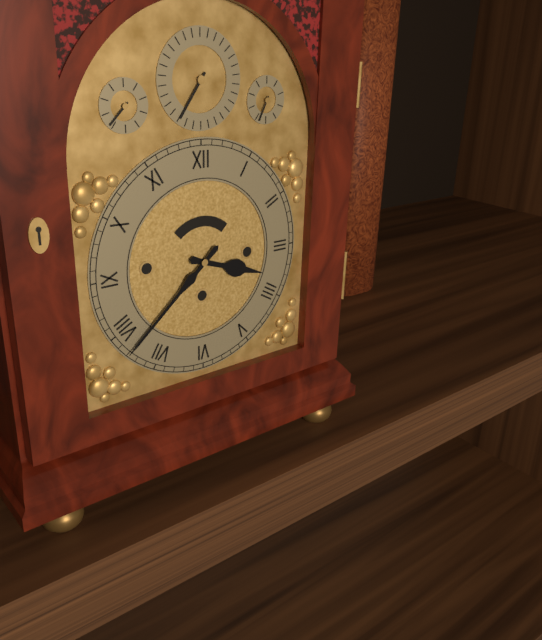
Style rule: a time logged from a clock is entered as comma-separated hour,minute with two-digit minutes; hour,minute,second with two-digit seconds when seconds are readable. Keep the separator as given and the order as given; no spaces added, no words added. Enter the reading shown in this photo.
3,38
